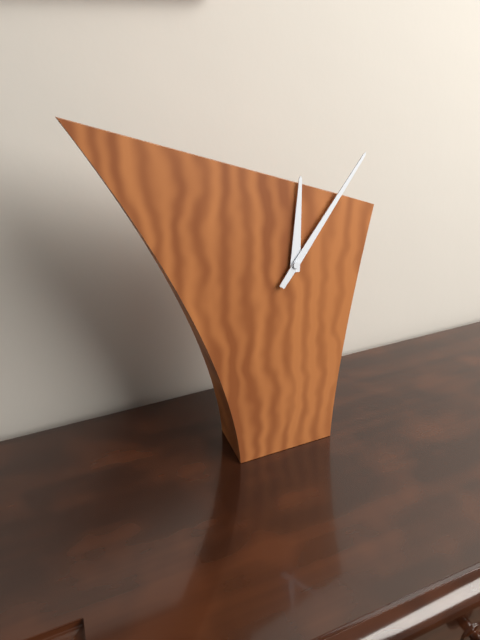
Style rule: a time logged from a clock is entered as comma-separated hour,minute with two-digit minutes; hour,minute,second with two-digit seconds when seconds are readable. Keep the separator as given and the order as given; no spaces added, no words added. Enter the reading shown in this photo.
12,06
